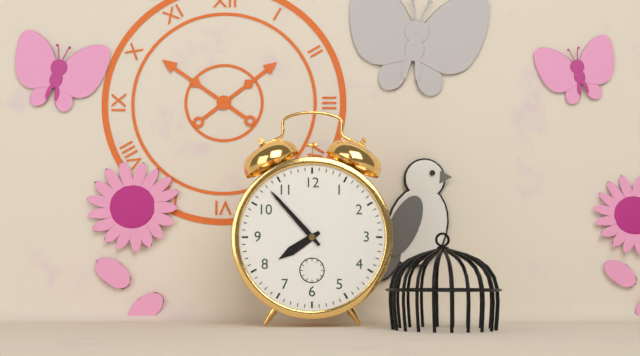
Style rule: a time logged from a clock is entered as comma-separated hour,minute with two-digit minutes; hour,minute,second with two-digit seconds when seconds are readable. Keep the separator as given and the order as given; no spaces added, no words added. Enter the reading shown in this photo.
7,53
